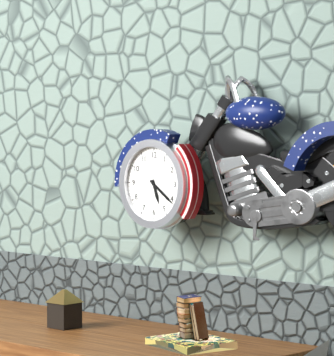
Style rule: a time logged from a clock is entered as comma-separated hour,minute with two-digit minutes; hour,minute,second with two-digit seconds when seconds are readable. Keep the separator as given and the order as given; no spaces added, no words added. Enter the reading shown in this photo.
5,21
